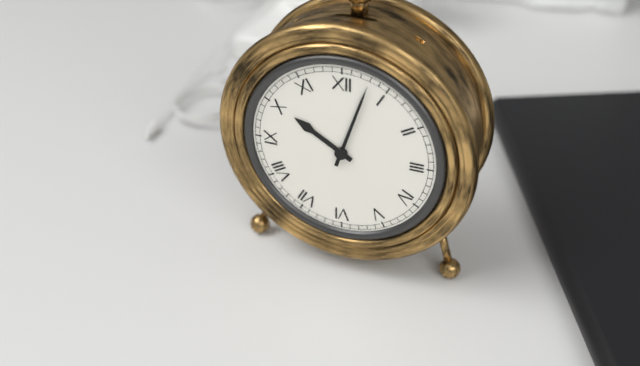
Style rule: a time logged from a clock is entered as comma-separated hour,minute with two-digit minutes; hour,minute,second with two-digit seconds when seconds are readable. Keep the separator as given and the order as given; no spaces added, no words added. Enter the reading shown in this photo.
10,03
